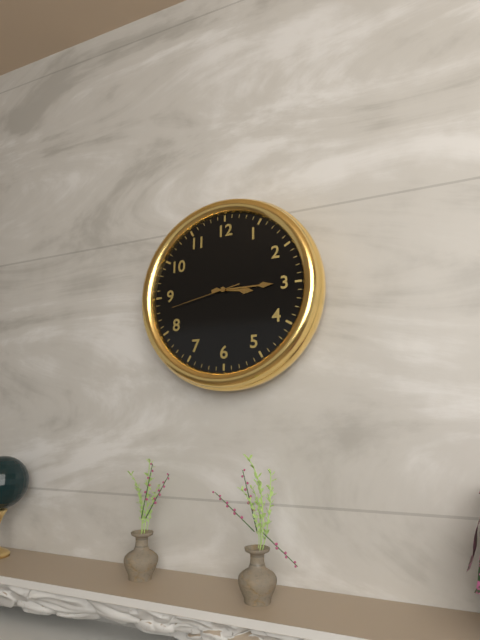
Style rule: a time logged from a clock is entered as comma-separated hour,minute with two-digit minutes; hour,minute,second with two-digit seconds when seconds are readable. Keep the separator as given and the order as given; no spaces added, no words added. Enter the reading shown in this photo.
3,15,43
